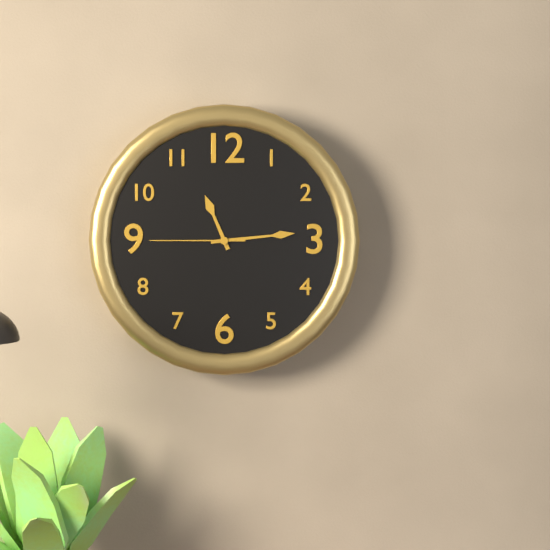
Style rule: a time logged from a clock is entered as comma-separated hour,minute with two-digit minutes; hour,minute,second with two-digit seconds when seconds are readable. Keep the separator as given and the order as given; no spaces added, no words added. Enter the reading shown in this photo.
11,14,45
